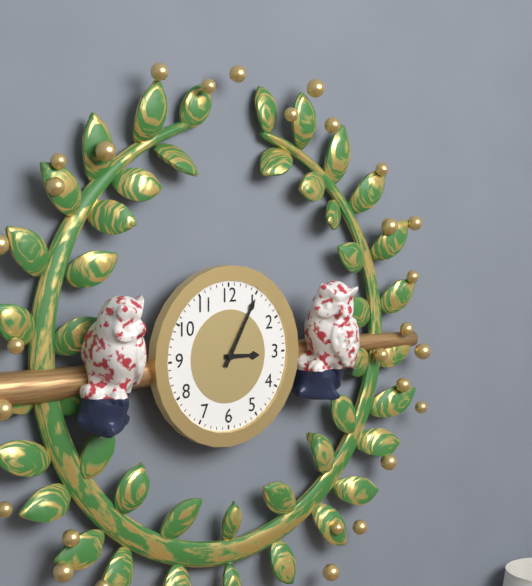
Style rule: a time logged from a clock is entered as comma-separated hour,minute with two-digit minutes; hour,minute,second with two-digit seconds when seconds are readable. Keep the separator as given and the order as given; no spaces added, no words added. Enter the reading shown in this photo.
3,05
